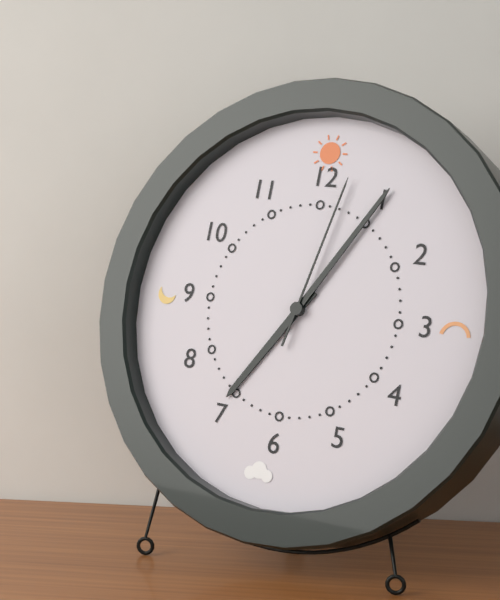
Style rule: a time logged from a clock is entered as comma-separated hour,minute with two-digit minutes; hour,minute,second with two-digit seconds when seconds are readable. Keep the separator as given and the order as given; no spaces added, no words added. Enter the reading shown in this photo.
7,05,02
